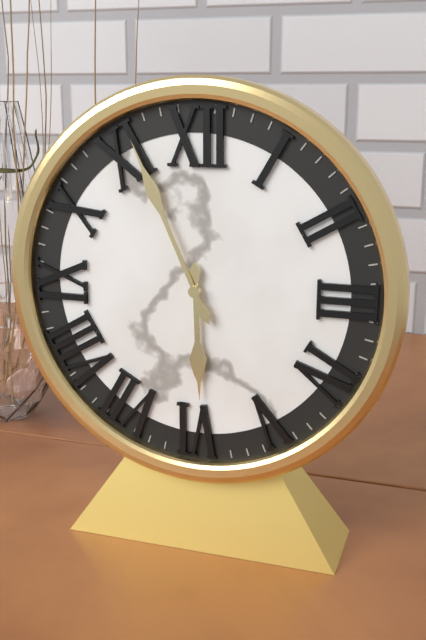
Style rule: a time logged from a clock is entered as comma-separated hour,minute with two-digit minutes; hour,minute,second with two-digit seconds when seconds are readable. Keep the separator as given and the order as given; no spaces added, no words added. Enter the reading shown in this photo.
5,56
